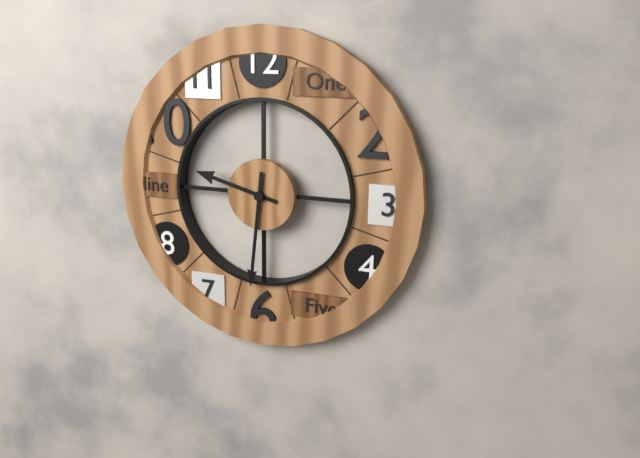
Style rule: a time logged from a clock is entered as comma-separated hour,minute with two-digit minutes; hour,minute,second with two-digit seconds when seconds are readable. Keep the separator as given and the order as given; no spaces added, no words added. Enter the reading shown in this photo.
9,31
